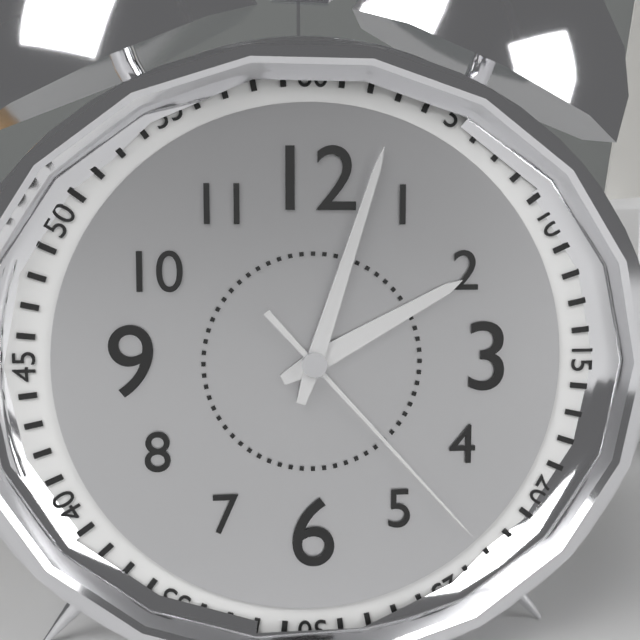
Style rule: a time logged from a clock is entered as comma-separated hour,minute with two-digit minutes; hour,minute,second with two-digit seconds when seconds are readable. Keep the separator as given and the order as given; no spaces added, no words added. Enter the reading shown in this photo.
2,03,23
